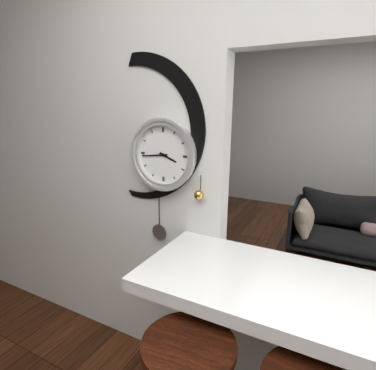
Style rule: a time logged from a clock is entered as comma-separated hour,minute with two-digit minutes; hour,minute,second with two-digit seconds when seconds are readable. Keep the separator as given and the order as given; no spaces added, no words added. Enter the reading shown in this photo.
3,44
